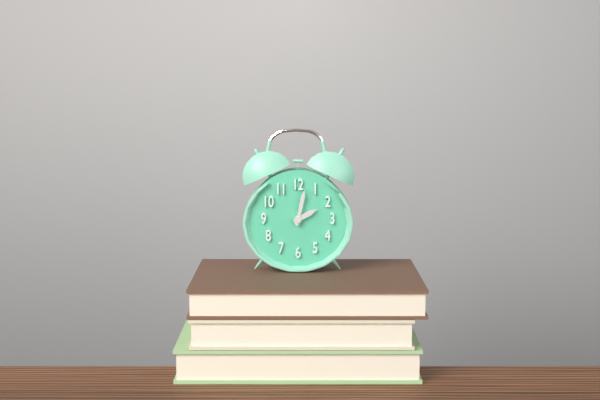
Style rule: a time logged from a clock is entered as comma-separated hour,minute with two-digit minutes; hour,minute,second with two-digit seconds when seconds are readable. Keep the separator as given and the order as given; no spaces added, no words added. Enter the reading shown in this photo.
2,02
